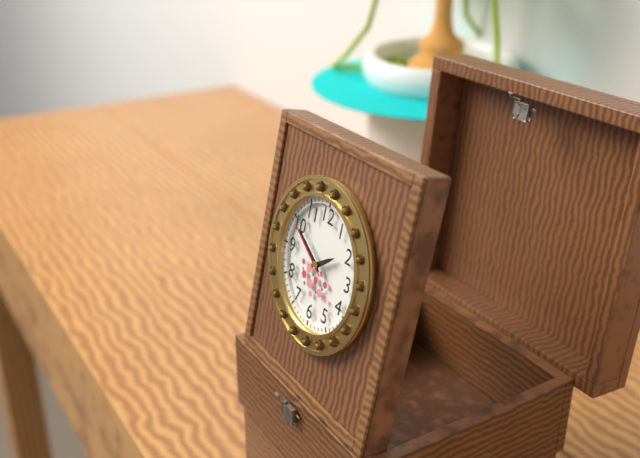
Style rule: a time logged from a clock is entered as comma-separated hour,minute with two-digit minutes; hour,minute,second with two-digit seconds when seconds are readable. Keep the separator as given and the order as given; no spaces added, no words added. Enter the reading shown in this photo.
1,50,50
